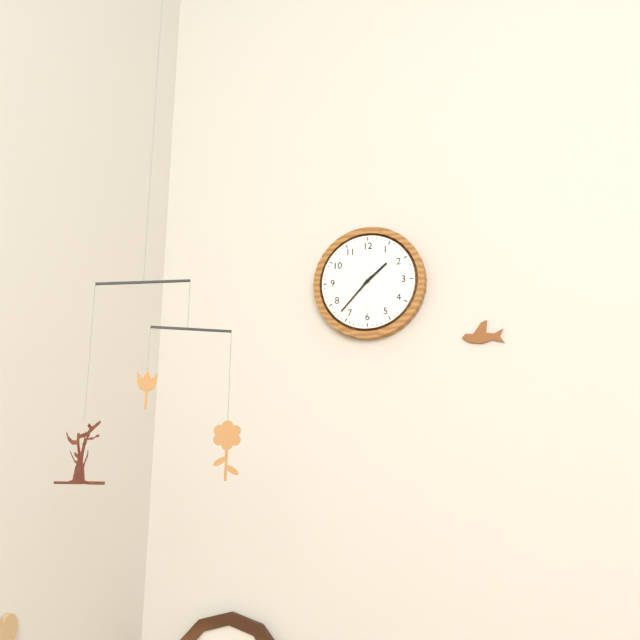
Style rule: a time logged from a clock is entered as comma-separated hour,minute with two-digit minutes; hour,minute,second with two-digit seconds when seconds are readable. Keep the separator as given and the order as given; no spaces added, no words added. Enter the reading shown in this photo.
1,37
